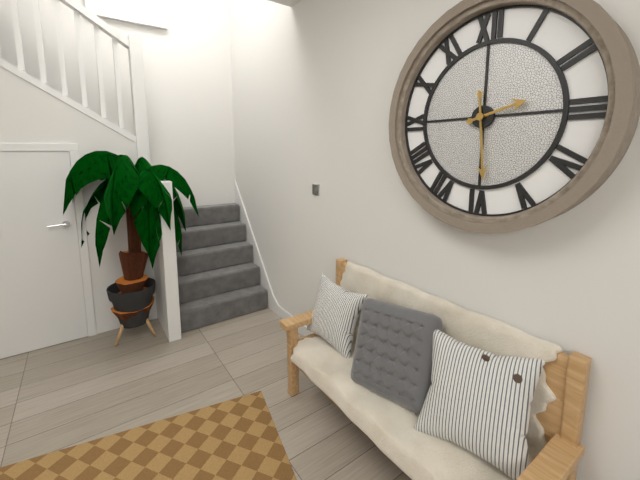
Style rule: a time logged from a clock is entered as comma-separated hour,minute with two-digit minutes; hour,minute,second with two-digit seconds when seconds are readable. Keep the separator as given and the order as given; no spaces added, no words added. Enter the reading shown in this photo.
2,29
